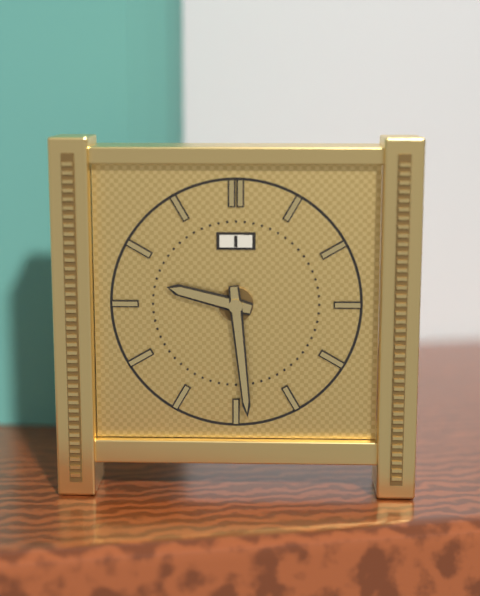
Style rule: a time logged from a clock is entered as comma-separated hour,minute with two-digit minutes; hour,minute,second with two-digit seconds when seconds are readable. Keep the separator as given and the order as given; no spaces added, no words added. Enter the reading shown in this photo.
9,29
